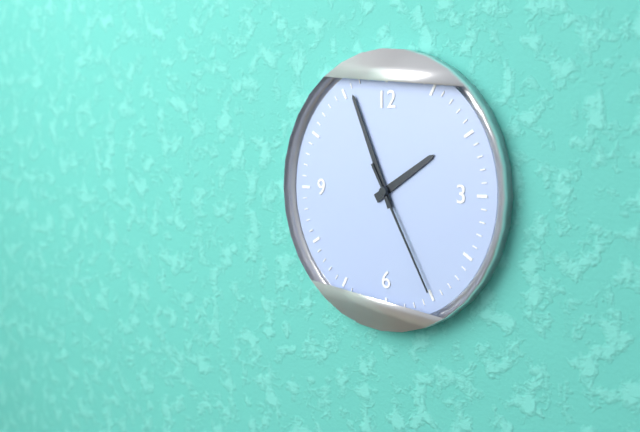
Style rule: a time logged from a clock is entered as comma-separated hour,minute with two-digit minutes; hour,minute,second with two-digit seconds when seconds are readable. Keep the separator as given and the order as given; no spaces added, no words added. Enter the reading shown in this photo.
1,56,25
